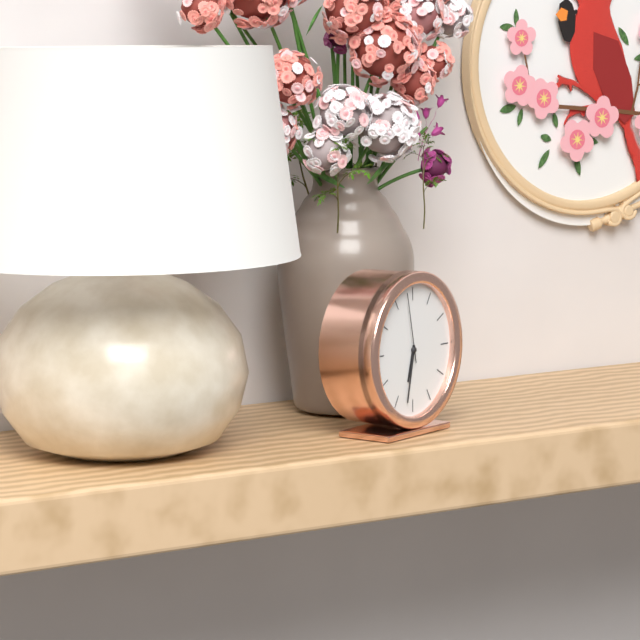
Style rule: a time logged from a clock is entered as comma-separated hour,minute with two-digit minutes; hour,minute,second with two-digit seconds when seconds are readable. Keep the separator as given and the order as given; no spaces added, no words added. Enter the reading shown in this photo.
6,32,58
